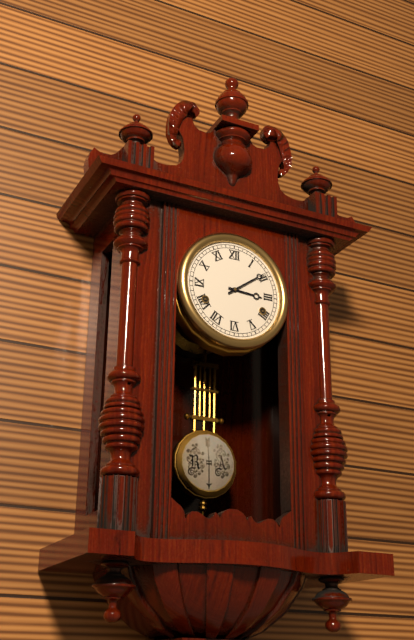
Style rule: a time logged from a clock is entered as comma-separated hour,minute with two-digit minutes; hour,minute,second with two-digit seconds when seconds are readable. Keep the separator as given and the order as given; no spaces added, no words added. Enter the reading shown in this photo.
3,09
